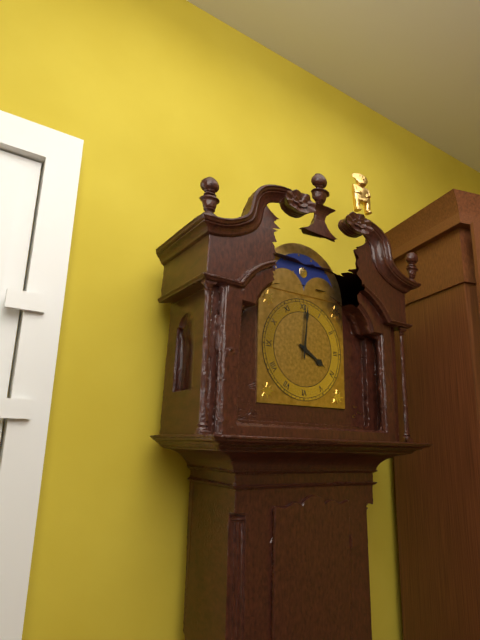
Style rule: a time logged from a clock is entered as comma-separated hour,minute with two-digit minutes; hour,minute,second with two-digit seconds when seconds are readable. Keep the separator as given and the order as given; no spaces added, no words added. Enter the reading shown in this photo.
4,01
